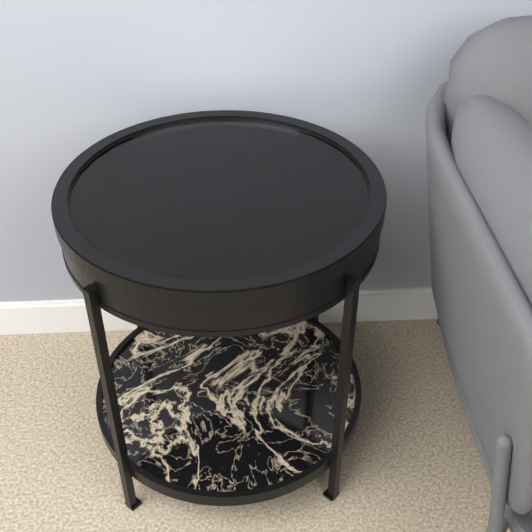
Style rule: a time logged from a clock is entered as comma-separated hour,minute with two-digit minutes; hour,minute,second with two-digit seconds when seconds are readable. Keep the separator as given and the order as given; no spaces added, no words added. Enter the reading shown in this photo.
2,08
